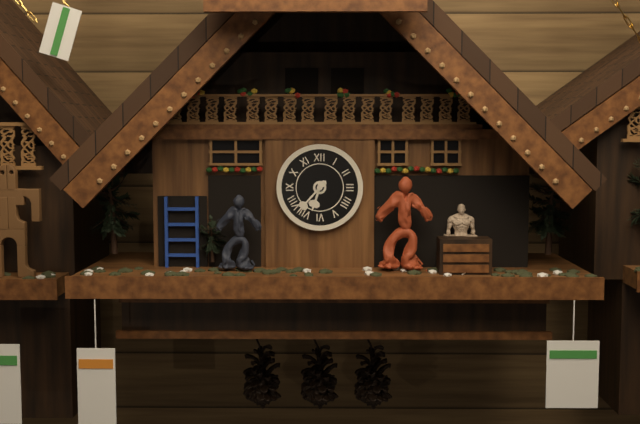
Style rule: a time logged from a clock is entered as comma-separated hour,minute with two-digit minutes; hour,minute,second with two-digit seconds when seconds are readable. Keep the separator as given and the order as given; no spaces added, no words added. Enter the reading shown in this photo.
6,37
